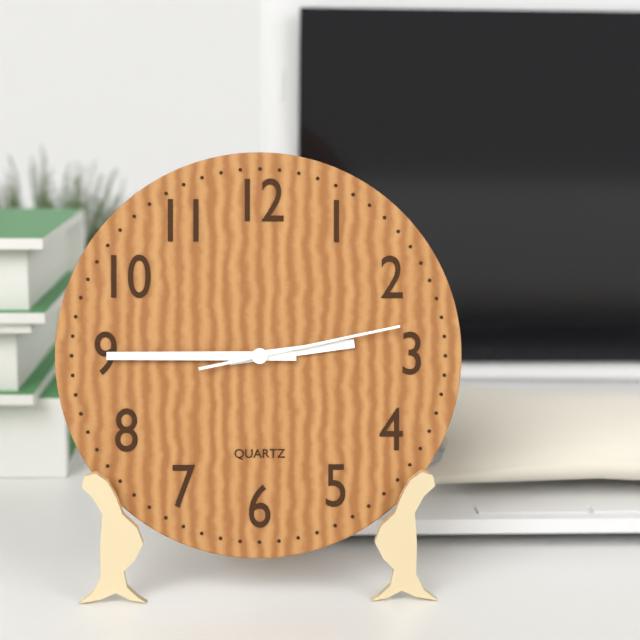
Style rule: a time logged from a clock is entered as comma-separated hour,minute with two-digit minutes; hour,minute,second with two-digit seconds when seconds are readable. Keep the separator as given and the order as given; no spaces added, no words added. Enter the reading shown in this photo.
2,45,13
